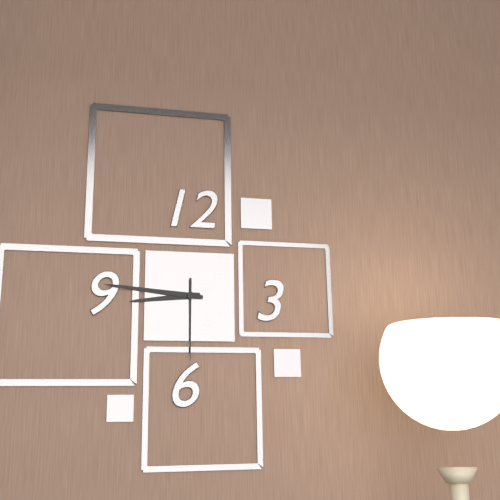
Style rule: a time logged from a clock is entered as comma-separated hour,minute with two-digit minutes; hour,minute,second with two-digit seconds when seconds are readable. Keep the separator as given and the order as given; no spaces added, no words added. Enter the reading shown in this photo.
8,46,30
